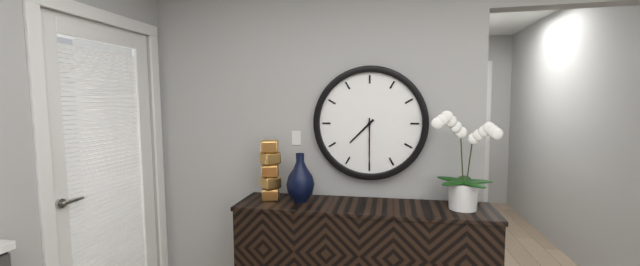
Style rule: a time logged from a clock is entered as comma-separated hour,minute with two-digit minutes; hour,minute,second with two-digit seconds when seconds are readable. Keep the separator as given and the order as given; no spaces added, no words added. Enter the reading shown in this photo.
7,30
